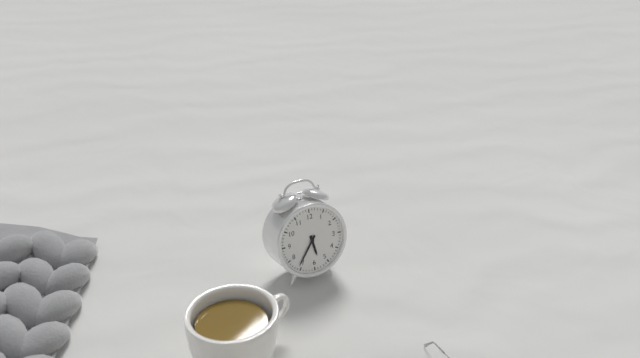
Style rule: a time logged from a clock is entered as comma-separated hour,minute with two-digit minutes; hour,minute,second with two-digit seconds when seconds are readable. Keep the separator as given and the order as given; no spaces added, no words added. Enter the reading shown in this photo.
5,36
